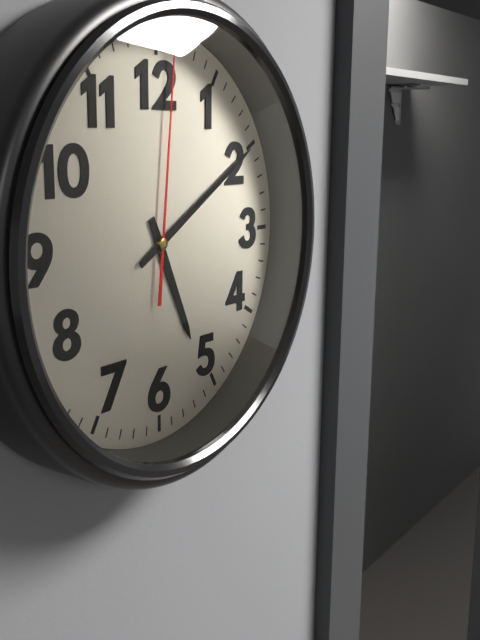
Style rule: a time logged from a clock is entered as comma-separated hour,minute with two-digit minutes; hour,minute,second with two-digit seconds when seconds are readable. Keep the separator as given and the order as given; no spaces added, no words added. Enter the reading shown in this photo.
5,10,01
